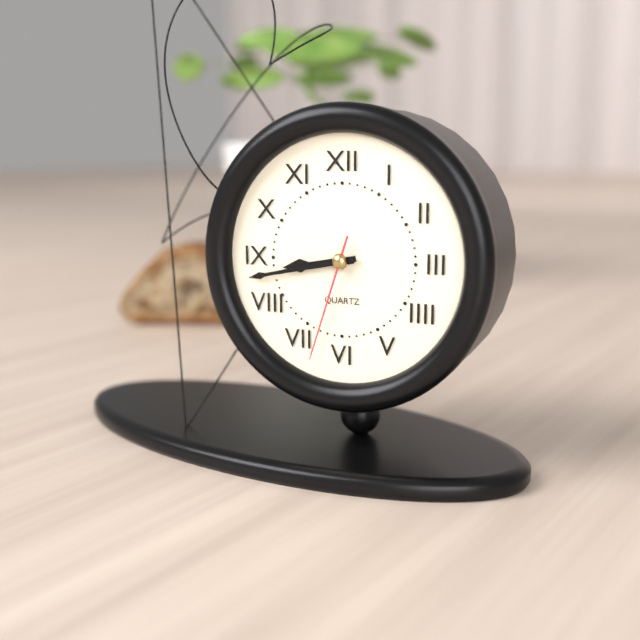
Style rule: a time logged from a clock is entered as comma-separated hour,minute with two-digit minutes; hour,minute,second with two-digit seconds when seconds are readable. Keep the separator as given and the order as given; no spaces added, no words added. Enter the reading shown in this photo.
8,43,33
